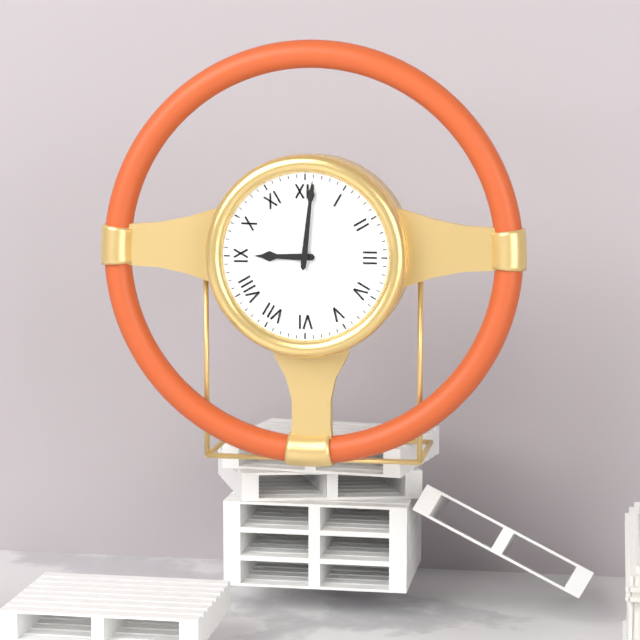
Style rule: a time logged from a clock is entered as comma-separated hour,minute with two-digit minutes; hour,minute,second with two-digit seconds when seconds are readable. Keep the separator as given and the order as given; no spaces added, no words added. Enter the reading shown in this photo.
9,01
